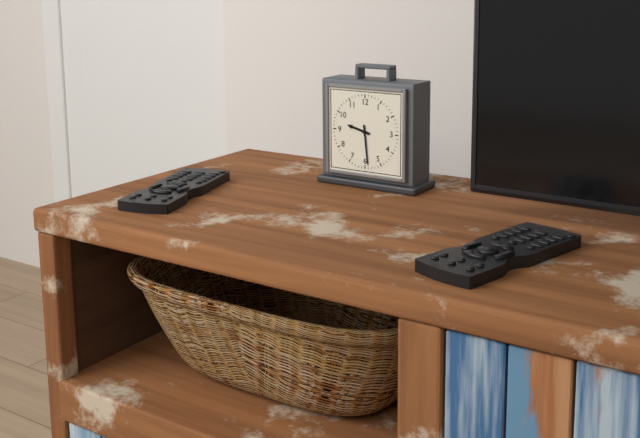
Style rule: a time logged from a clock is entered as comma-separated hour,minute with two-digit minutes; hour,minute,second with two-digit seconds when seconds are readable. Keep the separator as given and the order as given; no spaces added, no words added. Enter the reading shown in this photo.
9,29
